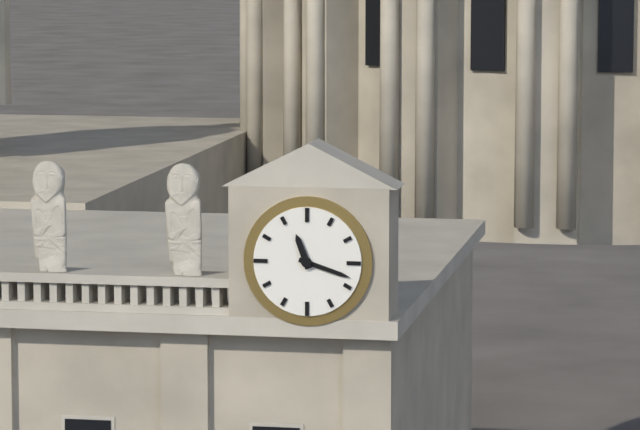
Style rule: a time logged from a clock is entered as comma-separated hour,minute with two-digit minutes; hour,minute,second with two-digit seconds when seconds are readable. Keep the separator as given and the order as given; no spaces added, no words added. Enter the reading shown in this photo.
11,18
